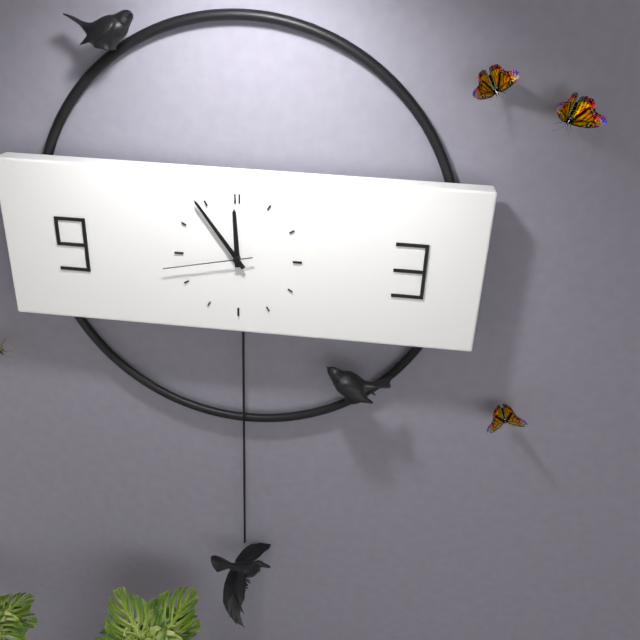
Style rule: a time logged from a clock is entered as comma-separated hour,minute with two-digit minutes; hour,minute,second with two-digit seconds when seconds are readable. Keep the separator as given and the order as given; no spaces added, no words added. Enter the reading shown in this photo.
11,54,43
